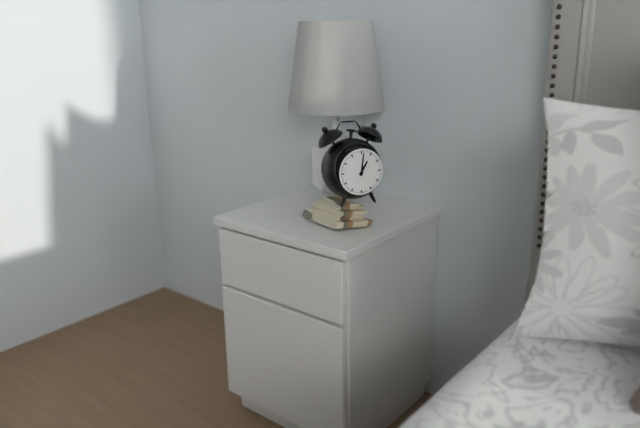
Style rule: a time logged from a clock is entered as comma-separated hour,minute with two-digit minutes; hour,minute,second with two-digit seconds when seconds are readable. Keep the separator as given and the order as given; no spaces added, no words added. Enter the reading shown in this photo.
1,01
